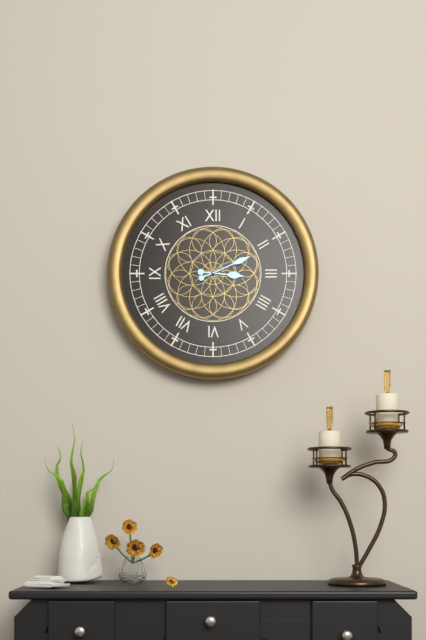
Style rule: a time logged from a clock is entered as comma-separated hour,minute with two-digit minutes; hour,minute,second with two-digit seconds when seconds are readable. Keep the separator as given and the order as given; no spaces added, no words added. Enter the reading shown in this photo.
3,11
